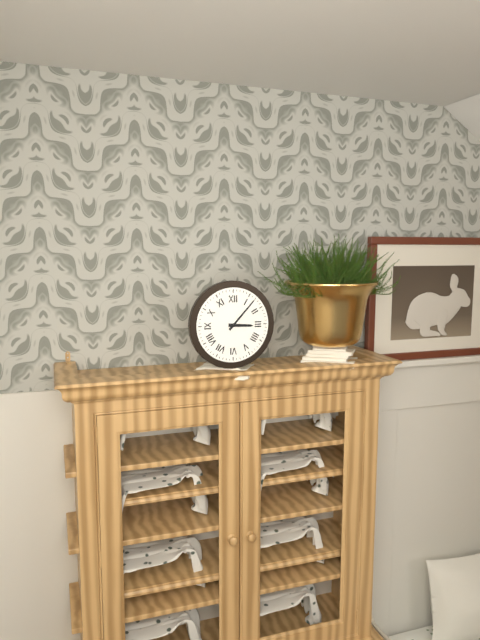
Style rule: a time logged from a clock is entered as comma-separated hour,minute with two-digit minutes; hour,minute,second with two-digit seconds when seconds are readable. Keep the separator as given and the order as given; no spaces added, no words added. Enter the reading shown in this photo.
3,07
